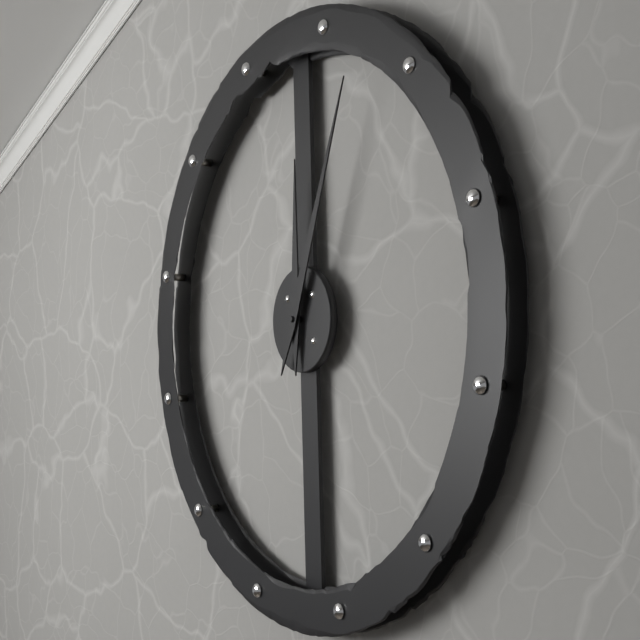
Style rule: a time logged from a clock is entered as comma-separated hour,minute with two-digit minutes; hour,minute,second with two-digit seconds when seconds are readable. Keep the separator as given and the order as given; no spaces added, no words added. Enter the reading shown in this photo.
12,04
